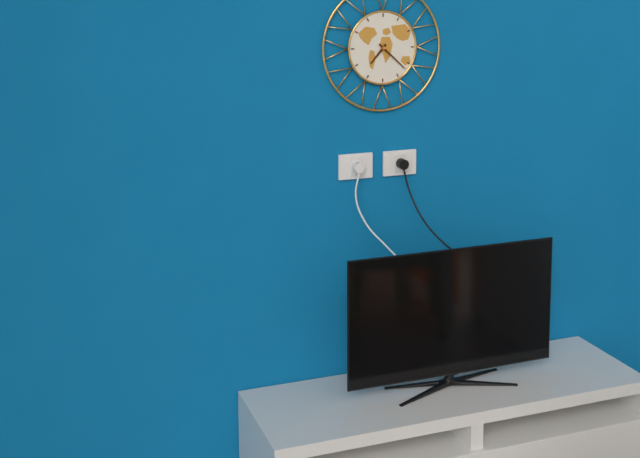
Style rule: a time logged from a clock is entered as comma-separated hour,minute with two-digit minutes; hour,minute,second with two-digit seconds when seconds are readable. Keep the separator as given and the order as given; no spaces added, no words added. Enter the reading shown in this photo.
7,22
